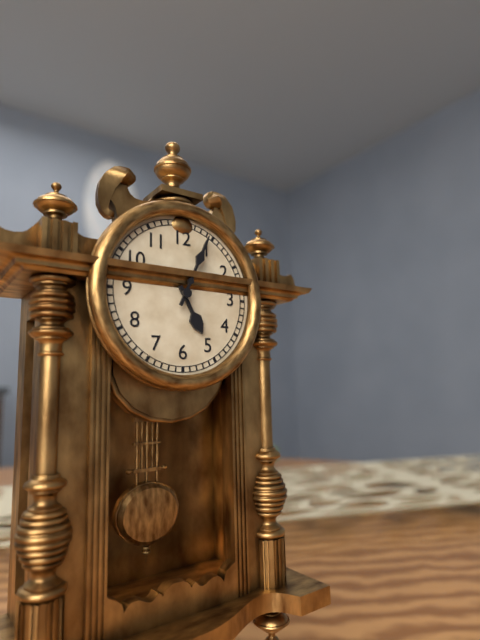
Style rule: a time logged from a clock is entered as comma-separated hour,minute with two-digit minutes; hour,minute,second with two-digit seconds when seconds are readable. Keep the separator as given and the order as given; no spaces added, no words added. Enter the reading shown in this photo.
5,04
